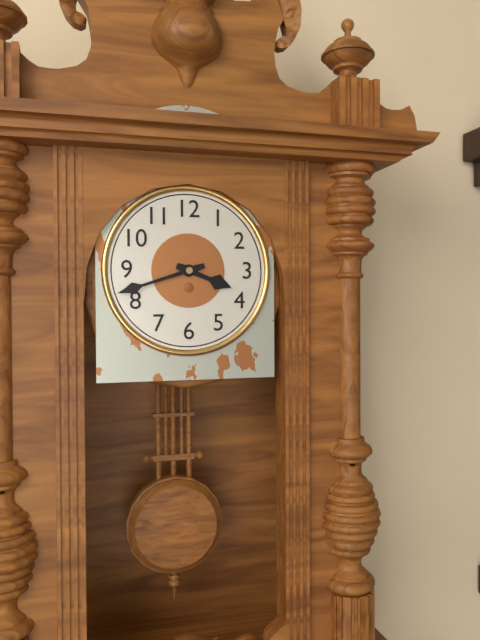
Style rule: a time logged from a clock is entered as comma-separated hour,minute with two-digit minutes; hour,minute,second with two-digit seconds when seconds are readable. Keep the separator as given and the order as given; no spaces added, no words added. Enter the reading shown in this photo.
3,42
